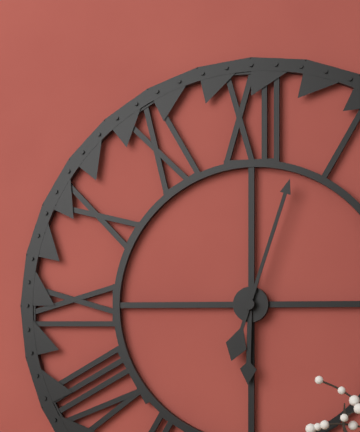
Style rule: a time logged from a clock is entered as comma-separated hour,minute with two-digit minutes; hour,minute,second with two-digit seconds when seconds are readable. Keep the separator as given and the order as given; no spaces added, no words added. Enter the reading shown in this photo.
6,03
